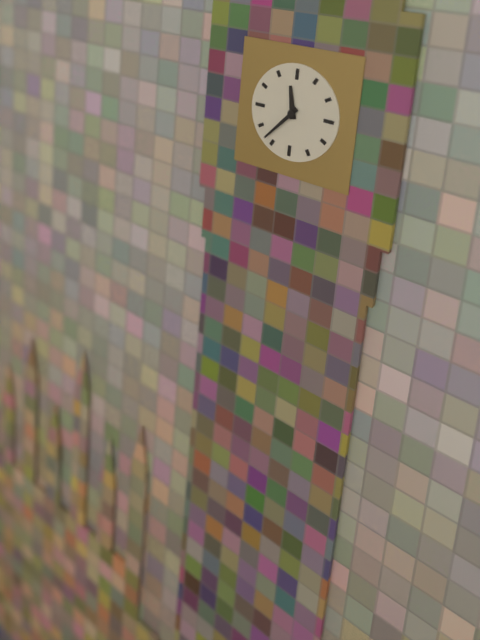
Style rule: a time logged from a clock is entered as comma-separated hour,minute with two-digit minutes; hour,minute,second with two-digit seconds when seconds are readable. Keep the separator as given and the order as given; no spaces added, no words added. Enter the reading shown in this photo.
11,37
